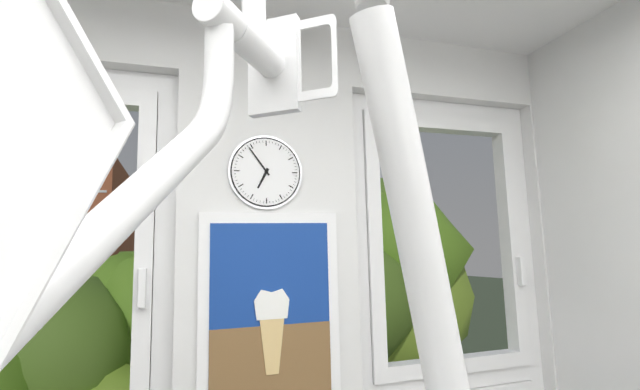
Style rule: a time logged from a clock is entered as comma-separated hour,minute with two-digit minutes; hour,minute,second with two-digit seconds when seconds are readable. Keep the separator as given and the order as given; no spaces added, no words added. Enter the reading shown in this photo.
6,54
